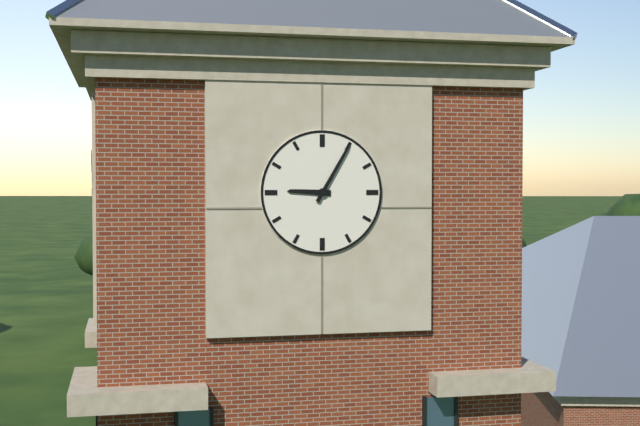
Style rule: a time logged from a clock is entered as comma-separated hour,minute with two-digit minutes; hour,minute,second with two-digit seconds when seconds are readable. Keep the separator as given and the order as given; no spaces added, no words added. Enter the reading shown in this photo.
9,05
